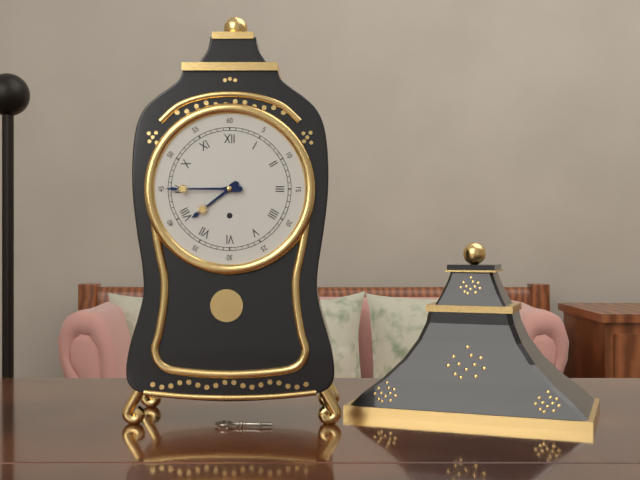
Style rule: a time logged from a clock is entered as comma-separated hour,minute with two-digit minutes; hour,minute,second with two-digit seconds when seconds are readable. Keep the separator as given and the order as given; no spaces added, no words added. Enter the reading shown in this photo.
7,45
